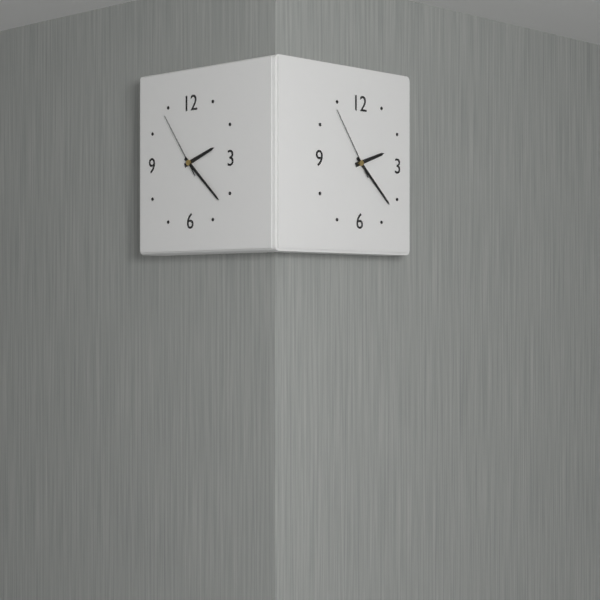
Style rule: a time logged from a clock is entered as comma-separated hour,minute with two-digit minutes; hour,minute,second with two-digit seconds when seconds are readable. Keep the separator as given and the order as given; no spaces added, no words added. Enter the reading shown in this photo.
2,22,54
